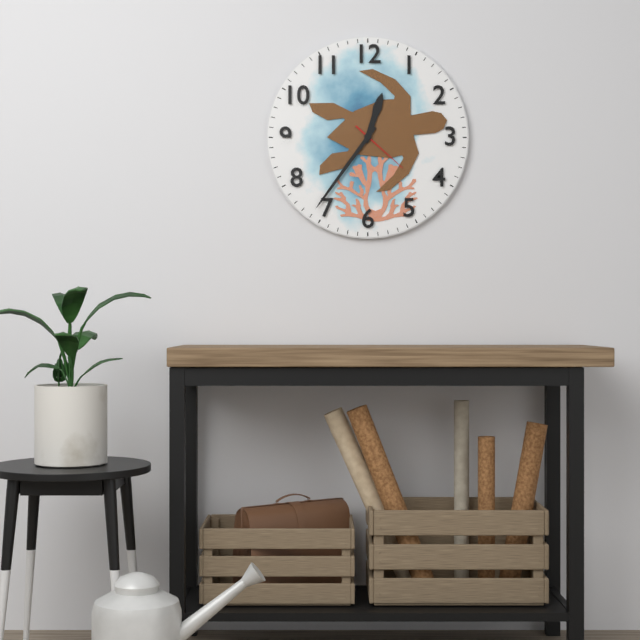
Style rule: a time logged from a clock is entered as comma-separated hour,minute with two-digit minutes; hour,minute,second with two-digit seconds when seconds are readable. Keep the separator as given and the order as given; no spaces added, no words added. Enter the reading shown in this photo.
12,36,22
